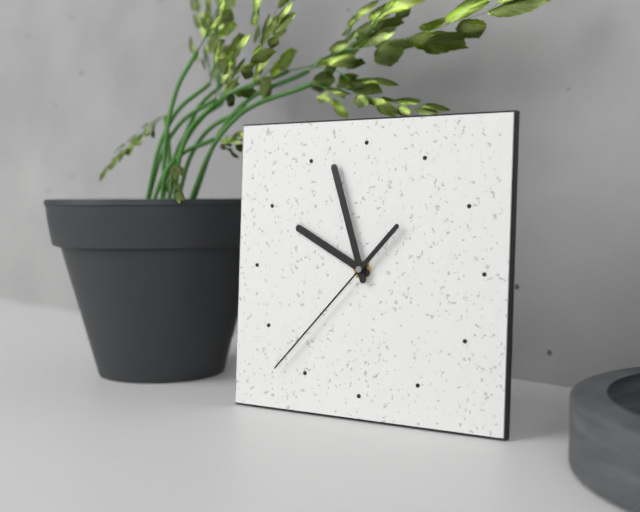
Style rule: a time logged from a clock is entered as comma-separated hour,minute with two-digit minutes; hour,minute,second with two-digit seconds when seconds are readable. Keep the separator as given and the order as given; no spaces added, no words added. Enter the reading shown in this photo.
9,57,37
